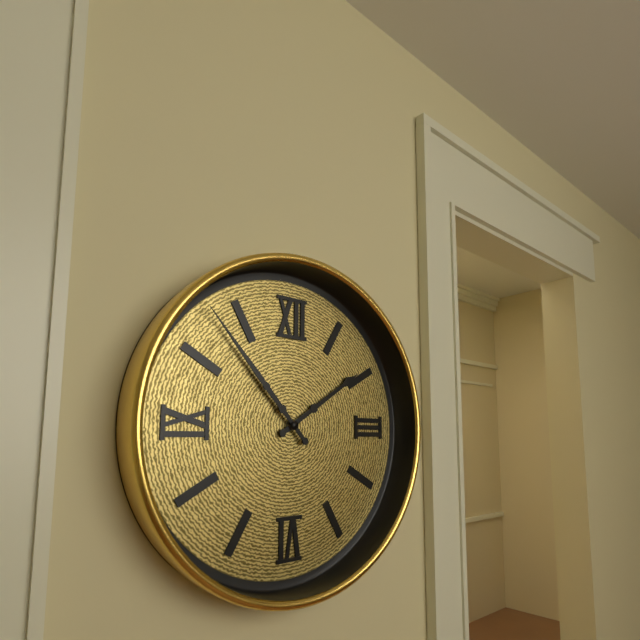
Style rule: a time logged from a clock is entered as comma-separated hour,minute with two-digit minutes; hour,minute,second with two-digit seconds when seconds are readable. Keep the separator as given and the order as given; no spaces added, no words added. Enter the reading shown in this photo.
1,53
